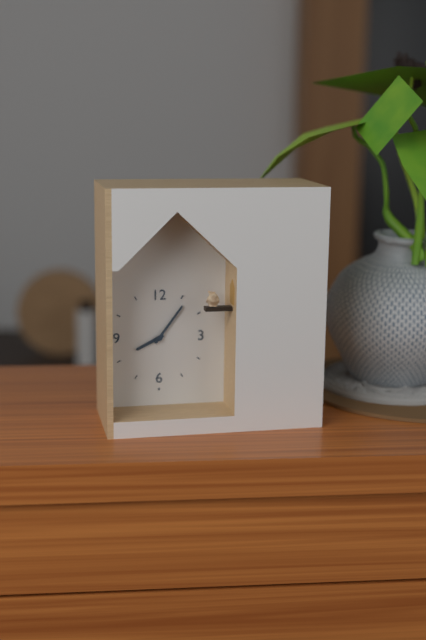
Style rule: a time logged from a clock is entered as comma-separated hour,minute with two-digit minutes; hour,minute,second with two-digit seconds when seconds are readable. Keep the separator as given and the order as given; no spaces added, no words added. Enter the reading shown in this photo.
8,06
